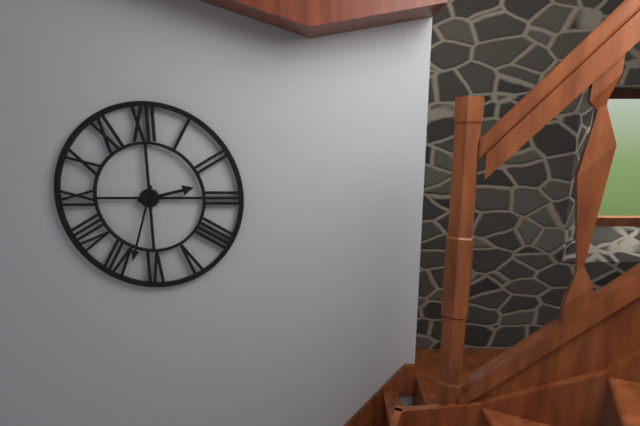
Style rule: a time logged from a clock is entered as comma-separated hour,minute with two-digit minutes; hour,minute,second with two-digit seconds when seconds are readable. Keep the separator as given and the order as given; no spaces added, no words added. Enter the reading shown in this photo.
2,33
